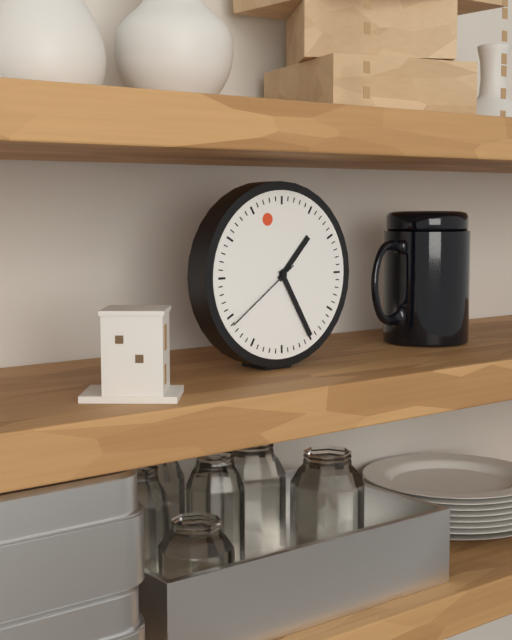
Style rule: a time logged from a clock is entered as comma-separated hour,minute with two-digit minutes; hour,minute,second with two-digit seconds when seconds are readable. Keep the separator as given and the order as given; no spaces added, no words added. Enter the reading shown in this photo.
1,25,39
